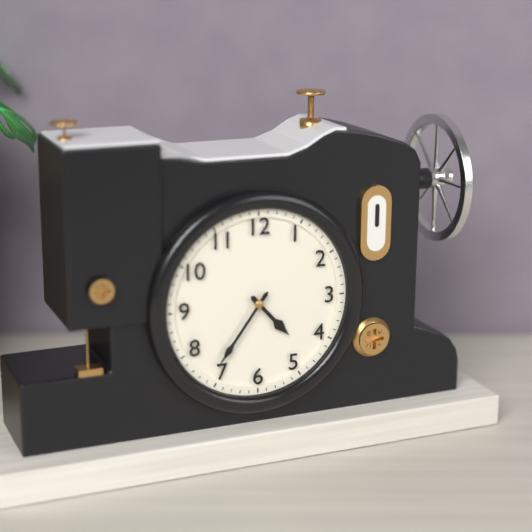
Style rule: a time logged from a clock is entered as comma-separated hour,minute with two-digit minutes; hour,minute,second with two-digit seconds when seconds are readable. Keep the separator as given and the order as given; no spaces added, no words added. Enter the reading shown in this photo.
4,36
